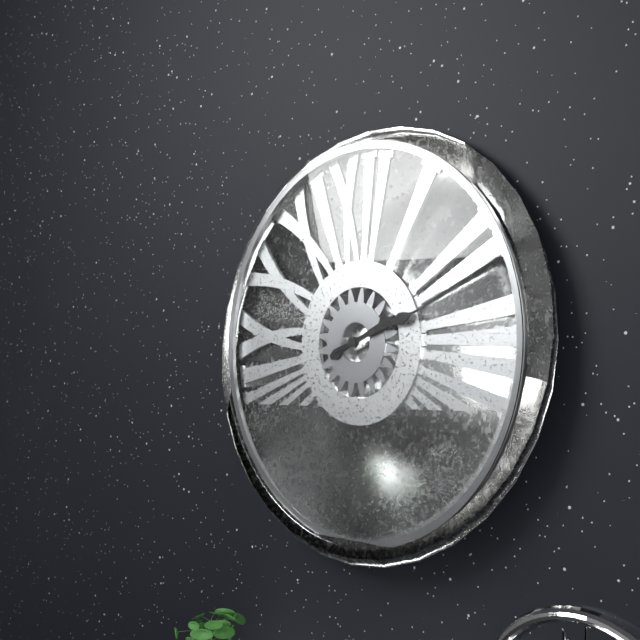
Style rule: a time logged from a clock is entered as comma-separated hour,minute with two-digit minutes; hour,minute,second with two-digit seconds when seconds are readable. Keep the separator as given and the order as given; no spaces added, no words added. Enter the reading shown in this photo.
2,12
